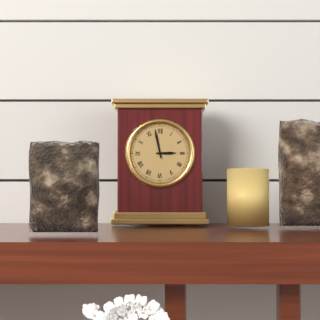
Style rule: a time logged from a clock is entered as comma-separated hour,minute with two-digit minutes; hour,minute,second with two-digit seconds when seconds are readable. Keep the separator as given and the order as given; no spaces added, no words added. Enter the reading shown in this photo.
2,58
